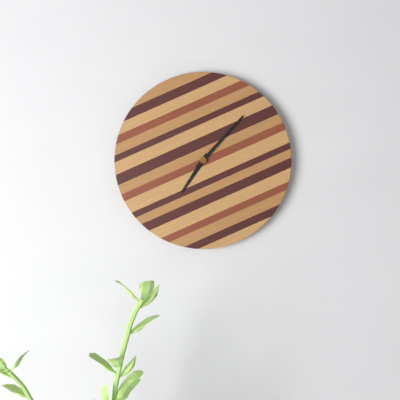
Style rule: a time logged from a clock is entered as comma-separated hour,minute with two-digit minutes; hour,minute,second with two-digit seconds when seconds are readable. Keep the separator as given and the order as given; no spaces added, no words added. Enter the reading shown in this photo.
7,07
